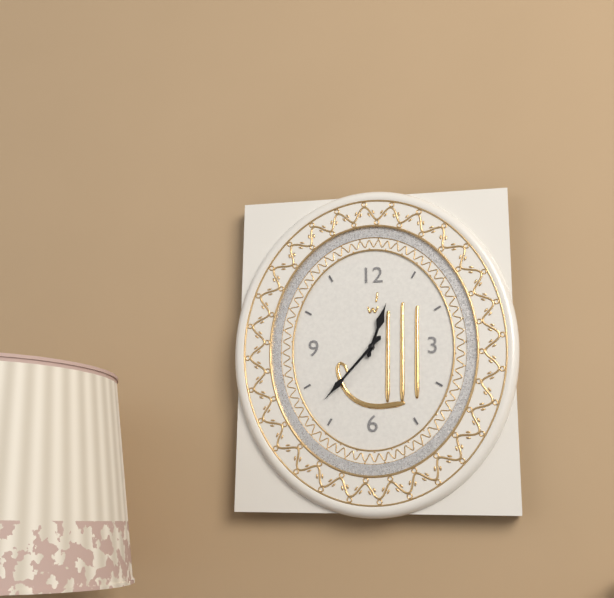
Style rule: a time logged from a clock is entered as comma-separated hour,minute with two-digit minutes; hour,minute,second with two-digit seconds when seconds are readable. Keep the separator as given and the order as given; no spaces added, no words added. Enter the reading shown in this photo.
12,37
